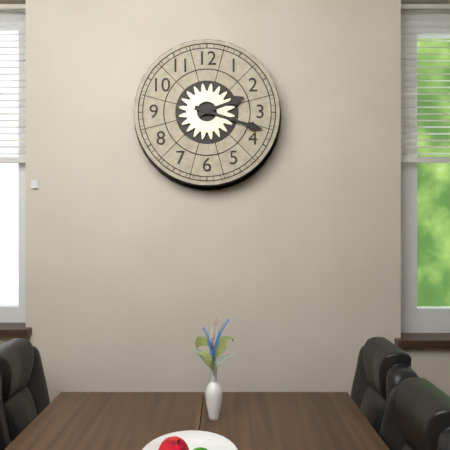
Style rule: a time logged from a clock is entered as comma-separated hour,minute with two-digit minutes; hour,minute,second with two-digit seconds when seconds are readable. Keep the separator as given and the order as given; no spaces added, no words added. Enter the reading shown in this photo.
2,18
